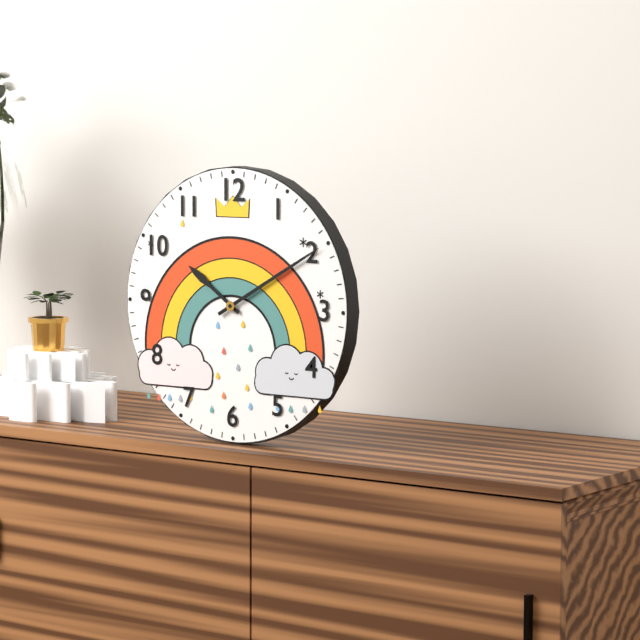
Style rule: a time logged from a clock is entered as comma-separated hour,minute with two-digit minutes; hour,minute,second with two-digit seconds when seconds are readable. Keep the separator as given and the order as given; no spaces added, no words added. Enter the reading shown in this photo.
10,10
